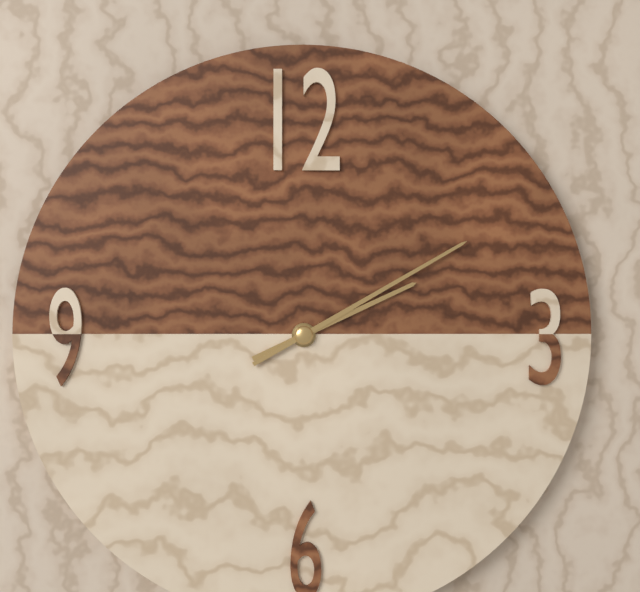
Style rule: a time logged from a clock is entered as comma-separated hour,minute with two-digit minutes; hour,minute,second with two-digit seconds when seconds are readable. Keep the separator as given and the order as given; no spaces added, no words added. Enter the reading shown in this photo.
2,10
